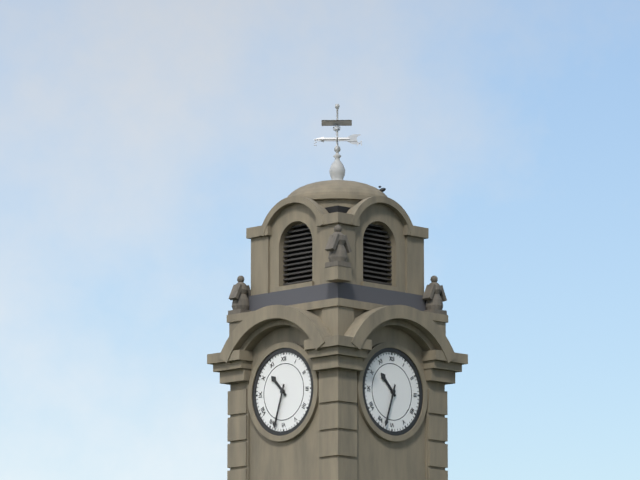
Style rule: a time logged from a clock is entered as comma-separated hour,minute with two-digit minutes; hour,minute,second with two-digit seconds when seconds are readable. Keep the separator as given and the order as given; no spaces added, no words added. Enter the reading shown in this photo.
10,33
